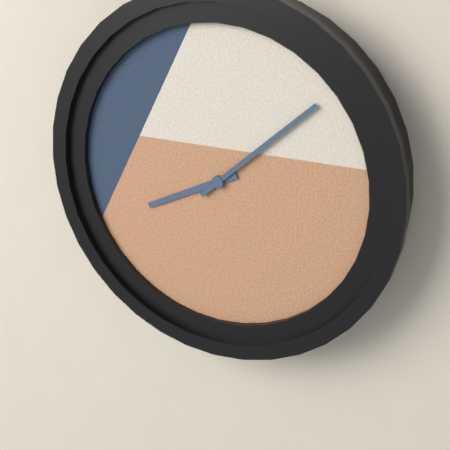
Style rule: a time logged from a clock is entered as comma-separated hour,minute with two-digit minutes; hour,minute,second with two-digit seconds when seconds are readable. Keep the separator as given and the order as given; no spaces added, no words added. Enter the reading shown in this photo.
8,08
